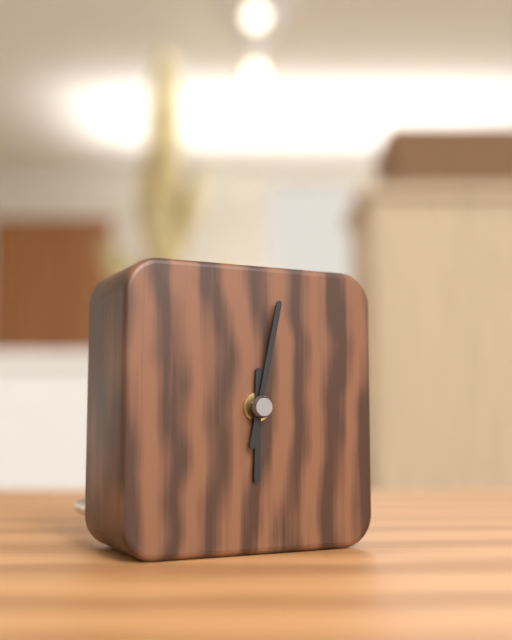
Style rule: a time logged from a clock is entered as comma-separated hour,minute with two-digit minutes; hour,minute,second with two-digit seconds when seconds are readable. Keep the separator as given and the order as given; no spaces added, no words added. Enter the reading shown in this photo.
6,02
